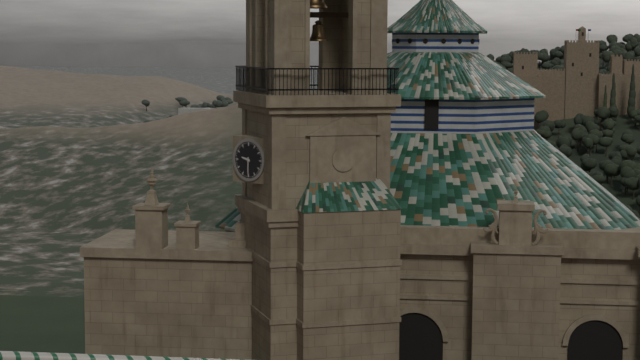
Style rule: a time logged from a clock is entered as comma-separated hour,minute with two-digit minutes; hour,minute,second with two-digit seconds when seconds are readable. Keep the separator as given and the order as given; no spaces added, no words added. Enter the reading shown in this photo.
9,30
